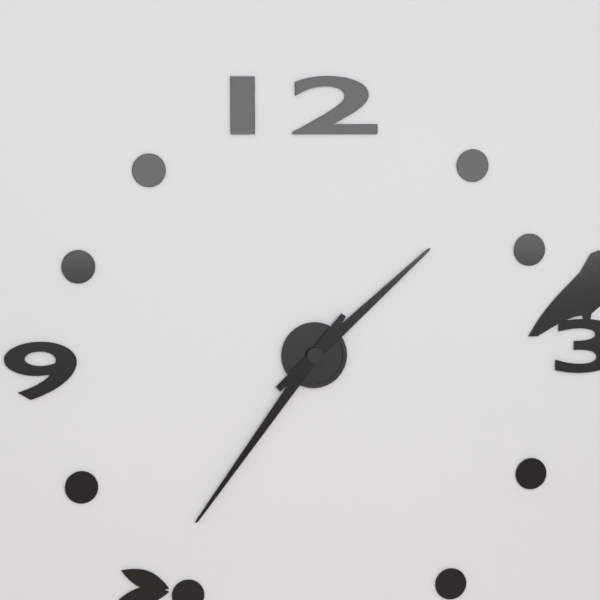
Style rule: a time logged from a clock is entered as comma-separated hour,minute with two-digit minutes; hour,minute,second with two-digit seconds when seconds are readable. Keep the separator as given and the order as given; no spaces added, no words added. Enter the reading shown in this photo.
1,36
